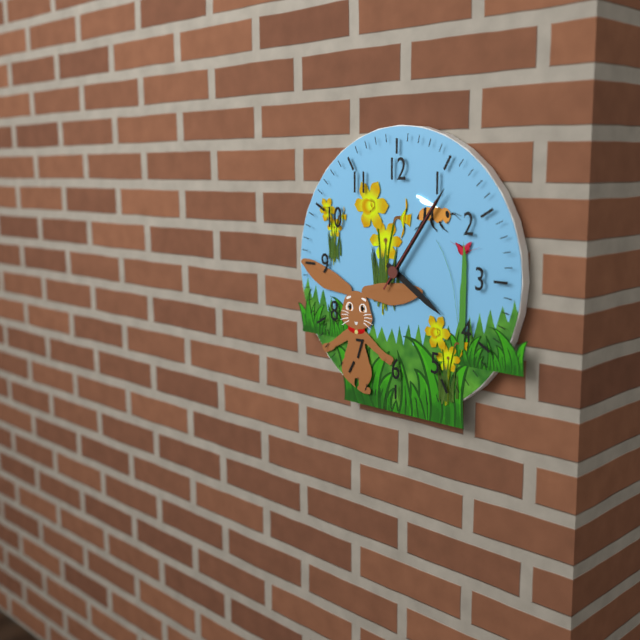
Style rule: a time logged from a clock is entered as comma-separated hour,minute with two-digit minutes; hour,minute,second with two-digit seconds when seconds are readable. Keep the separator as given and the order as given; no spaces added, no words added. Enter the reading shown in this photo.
4,06,06
